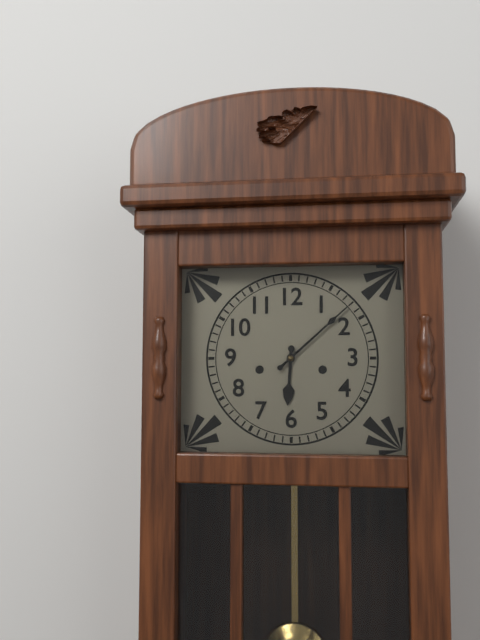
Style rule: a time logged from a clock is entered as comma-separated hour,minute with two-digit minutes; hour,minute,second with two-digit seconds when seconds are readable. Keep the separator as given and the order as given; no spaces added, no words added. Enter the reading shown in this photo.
6,08
